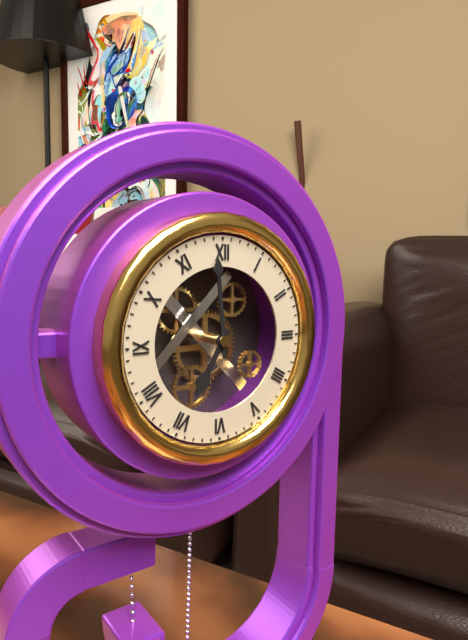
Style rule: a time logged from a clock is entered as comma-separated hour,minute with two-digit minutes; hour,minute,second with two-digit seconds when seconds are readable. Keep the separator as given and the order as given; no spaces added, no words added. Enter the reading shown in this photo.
6,59
